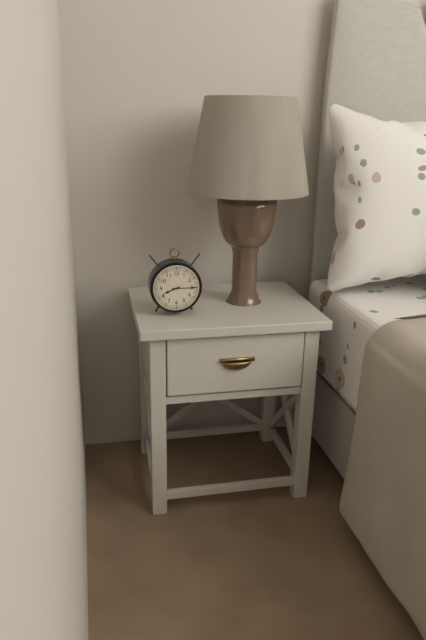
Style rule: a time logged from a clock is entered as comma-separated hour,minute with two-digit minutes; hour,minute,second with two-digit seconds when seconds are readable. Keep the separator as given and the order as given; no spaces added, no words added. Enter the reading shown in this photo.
8,15
